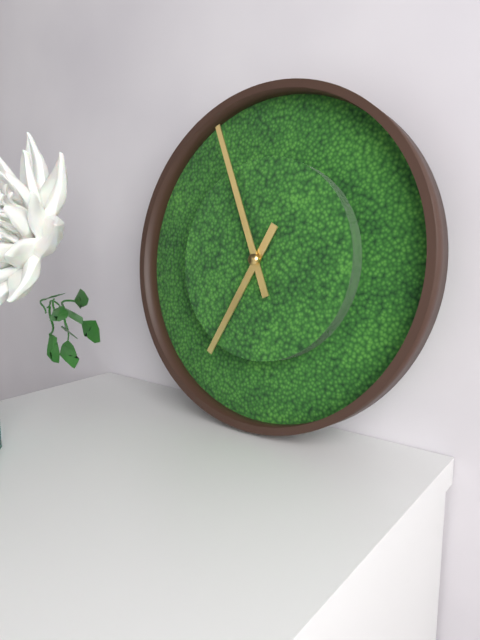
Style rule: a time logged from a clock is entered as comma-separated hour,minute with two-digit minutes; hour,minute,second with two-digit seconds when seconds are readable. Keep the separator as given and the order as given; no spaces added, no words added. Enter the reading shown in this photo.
6,56
